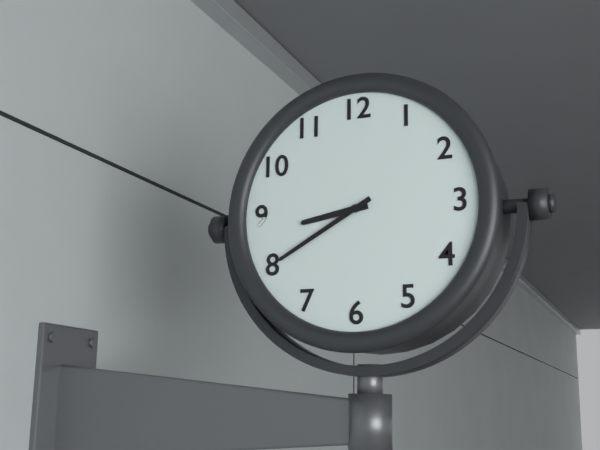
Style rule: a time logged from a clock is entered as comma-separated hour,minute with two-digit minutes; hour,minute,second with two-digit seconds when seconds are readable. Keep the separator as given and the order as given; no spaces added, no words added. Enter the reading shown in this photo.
8,40
